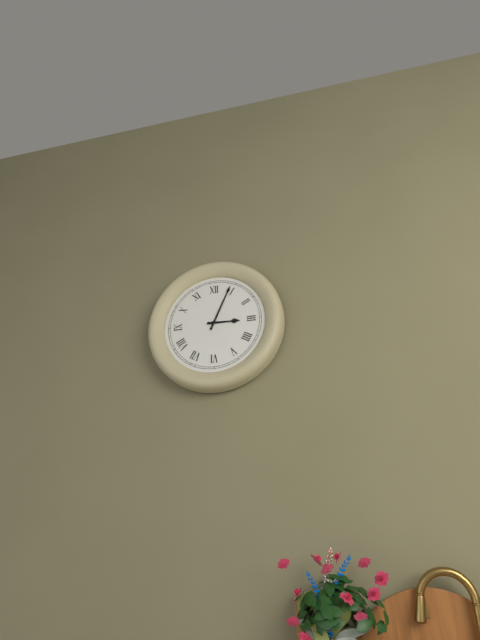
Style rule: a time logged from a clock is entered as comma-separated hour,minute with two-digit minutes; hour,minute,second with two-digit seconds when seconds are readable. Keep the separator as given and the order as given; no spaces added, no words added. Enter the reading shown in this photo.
3,04
